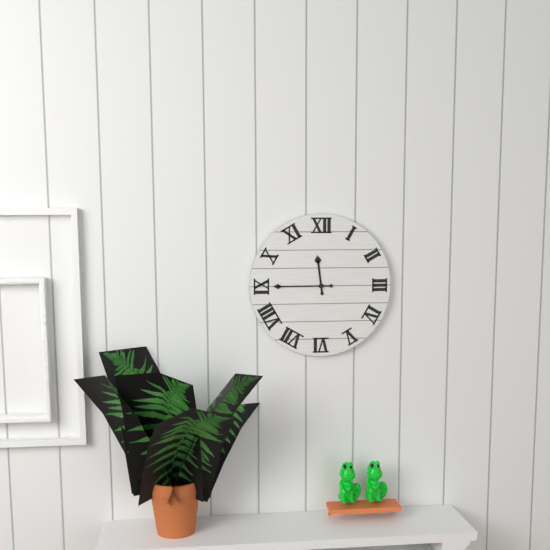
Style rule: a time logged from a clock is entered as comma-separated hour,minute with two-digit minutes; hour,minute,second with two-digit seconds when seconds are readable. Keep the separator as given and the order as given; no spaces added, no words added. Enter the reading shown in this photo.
11,45
